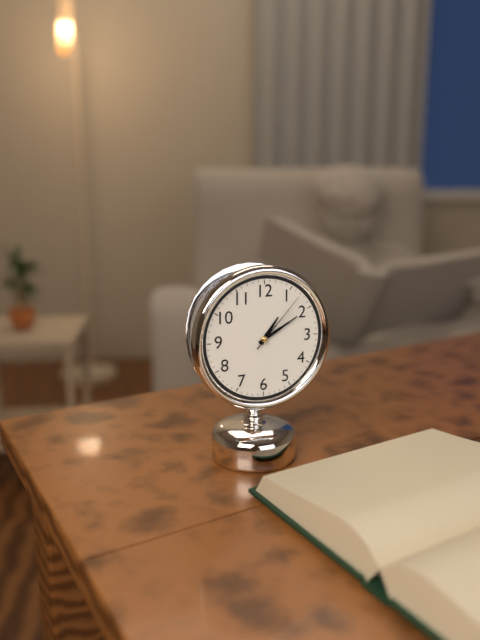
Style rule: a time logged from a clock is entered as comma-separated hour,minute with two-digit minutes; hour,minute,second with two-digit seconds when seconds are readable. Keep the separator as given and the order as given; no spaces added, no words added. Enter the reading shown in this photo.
1,10,07
